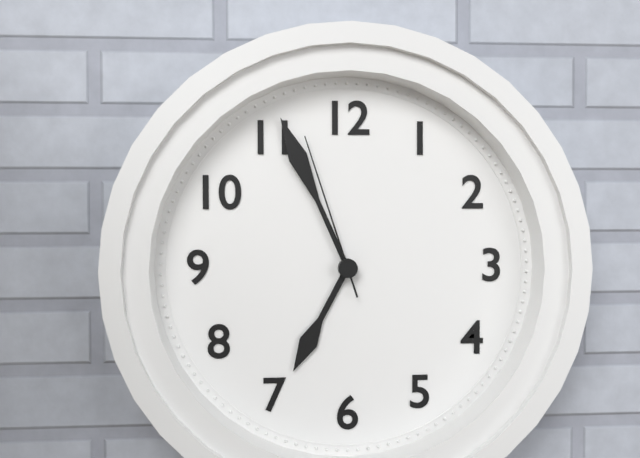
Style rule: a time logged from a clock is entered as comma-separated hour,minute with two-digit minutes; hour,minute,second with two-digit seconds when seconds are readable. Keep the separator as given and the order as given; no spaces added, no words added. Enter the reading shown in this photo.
6,56,57
